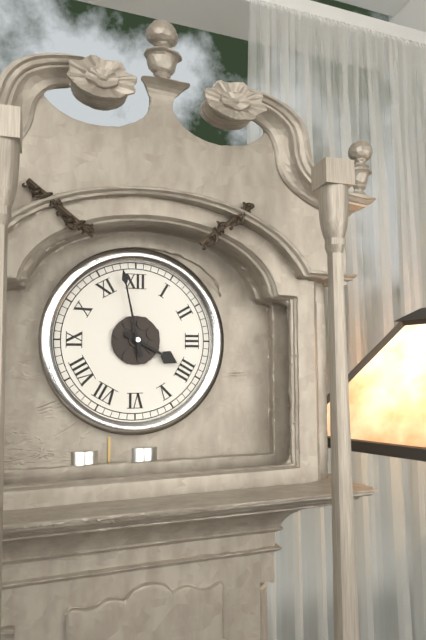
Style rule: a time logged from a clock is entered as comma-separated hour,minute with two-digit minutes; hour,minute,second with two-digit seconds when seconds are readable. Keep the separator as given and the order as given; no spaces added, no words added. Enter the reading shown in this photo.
3,58
